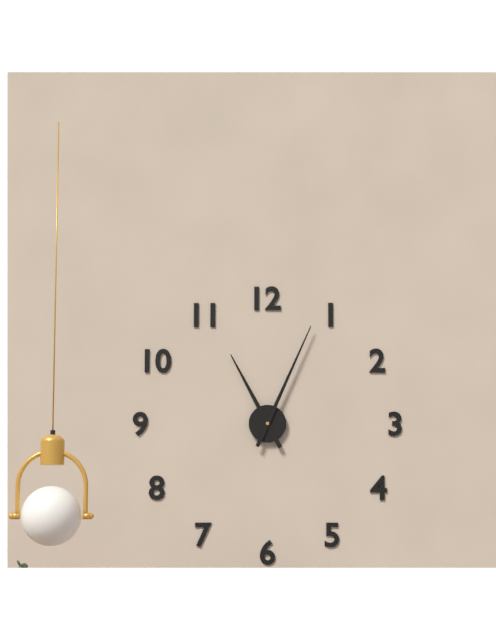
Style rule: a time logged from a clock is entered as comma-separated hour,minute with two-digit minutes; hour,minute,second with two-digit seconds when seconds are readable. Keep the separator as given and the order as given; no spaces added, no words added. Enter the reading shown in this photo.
11,04
